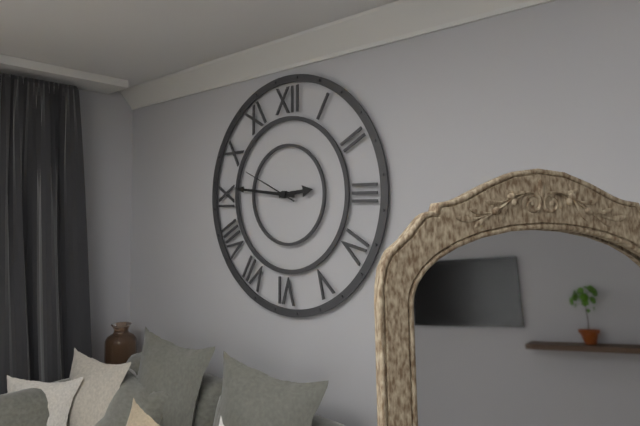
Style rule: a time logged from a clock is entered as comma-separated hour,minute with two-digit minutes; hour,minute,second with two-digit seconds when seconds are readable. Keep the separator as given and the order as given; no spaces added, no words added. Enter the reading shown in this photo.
2,46,49
